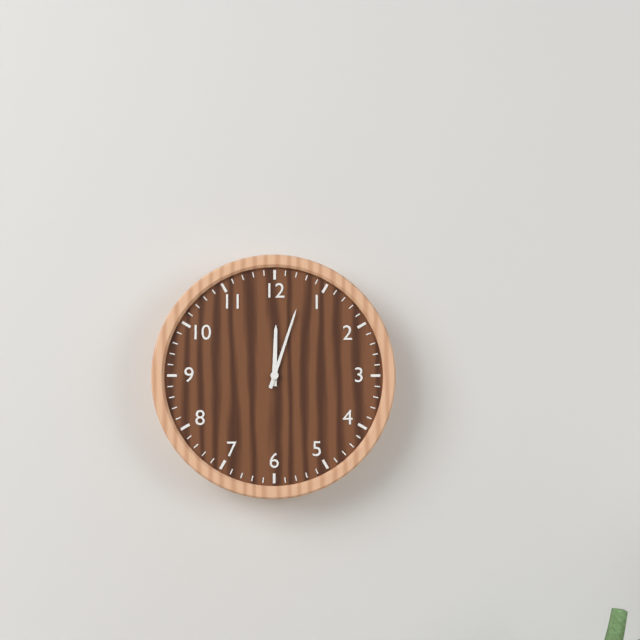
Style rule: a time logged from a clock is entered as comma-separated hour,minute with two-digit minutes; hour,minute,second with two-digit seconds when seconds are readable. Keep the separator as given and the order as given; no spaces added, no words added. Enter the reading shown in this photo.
12,03
